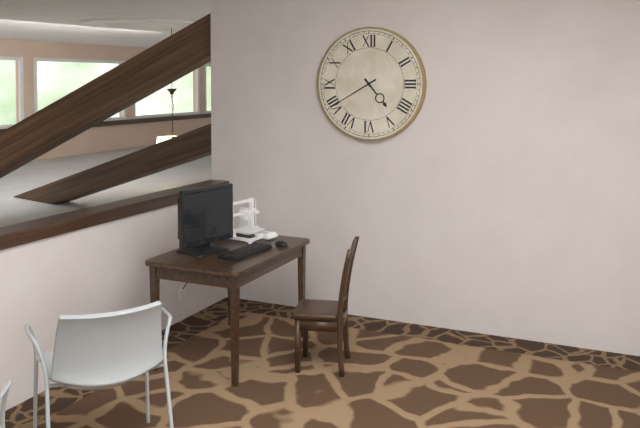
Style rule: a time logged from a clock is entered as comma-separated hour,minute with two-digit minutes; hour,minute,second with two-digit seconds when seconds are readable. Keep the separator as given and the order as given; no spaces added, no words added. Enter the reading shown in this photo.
4,40
